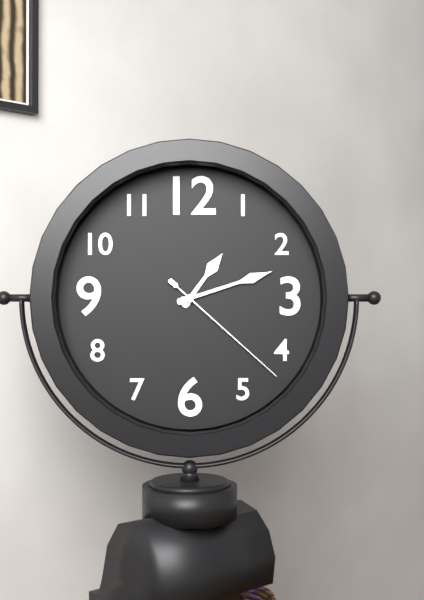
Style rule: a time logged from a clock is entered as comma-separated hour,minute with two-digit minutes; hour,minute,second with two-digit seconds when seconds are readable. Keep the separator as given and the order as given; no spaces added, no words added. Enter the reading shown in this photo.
1,12,22
